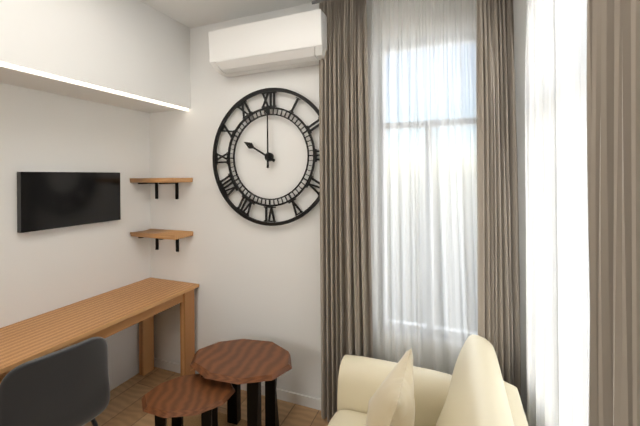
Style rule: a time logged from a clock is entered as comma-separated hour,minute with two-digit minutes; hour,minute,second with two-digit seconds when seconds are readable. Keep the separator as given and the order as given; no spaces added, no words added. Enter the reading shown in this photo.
10,00
